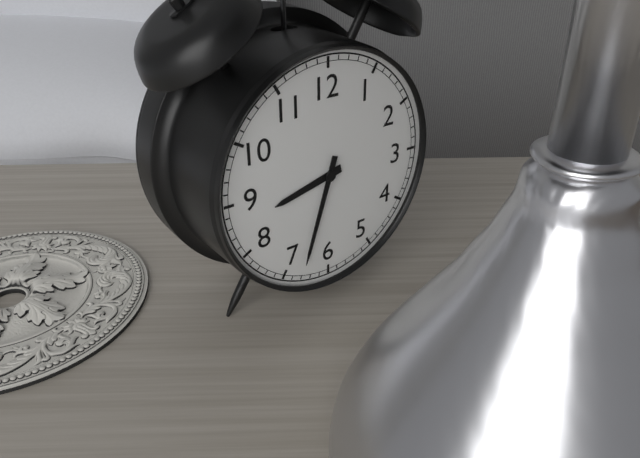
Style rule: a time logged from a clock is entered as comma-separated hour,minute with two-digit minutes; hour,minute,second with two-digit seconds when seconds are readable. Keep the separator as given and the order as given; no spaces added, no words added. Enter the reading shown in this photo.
8,33
